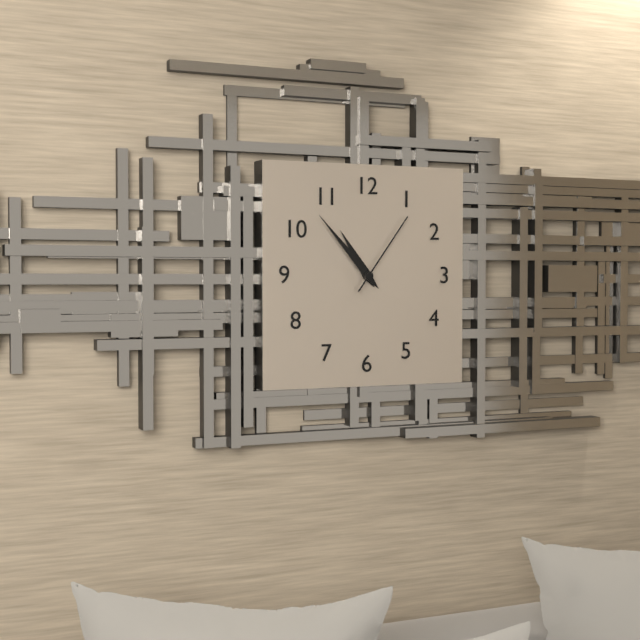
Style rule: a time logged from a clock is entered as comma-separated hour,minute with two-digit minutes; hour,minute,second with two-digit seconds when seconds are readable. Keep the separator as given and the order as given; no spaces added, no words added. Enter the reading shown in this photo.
10,53,06
